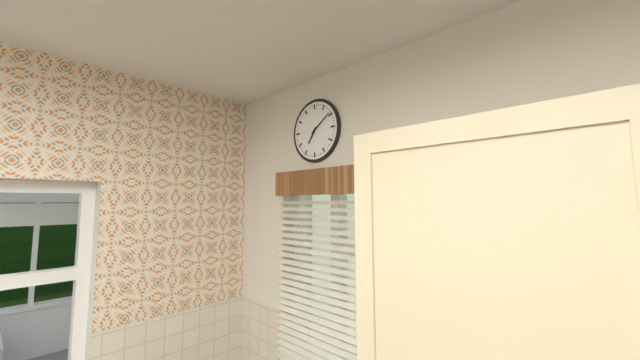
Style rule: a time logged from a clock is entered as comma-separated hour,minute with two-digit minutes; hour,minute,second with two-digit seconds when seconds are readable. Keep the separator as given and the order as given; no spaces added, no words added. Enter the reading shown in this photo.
7,09
